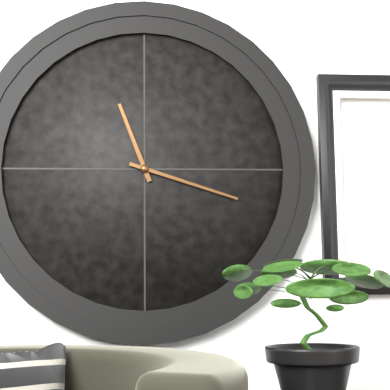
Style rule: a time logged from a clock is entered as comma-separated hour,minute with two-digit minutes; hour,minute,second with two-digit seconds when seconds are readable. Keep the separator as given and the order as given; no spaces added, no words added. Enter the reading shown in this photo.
11,18
